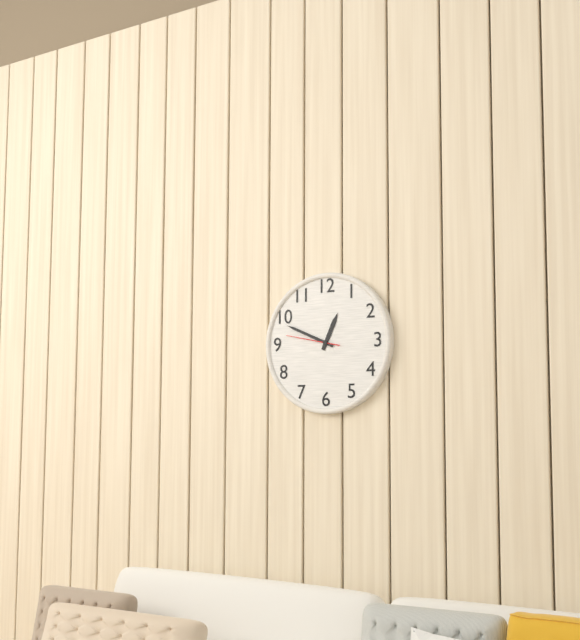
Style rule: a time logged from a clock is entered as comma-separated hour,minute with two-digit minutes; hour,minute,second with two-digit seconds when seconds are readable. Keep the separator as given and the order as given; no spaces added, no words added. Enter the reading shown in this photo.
12,49,47
